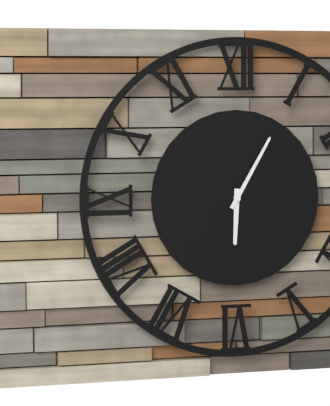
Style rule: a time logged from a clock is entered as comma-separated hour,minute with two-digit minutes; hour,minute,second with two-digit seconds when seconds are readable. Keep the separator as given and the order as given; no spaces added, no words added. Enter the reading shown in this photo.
6,05
